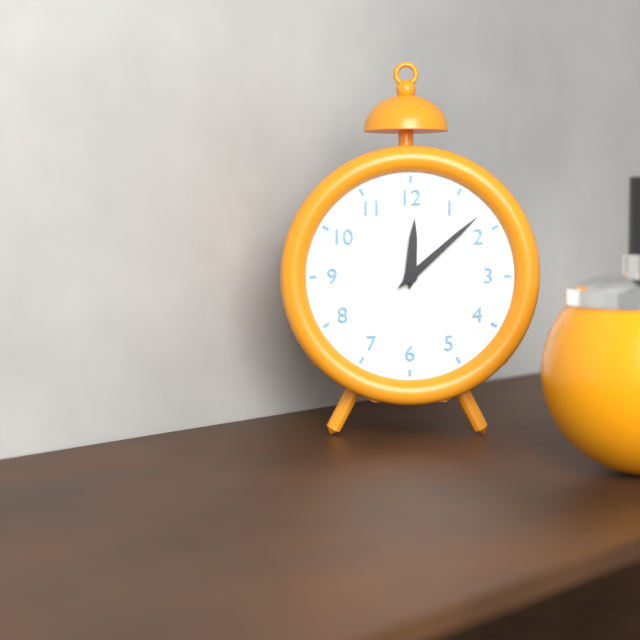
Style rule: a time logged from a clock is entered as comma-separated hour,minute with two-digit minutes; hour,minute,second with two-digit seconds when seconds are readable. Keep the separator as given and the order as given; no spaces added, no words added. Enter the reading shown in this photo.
12,08
